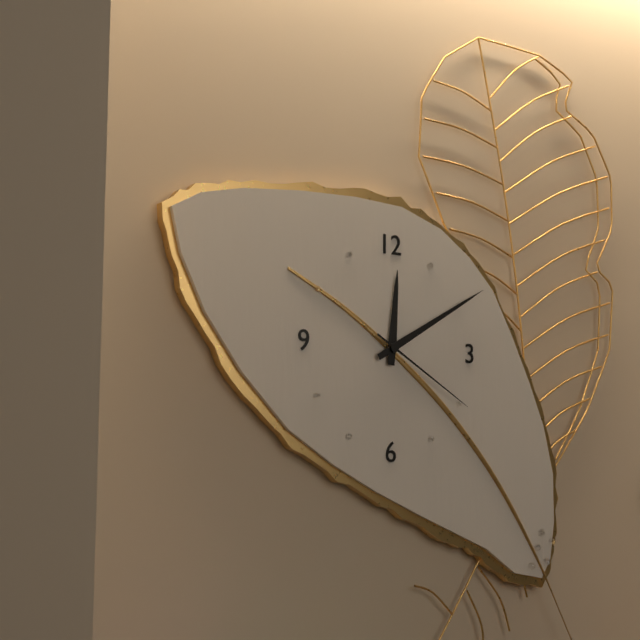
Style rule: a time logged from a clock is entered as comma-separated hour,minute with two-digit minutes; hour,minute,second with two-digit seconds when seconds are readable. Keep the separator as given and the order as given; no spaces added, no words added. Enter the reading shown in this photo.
12,10,20
